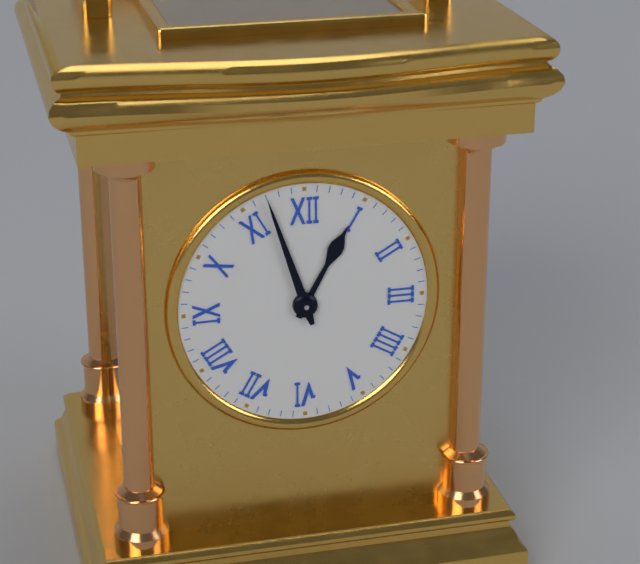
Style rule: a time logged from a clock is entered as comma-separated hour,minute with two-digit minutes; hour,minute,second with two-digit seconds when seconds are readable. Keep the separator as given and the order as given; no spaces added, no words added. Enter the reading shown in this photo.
12,57
